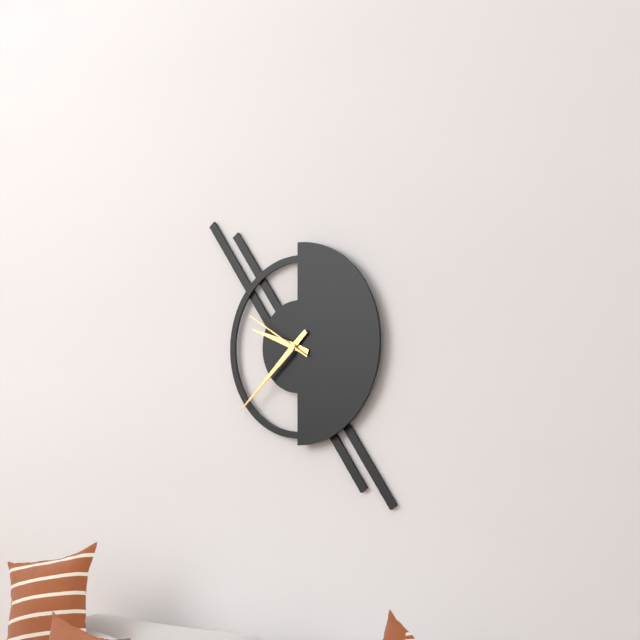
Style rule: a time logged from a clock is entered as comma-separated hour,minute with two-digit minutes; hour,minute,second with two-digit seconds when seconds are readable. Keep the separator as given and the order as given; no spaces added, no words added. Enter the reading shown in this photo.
9,38,50
